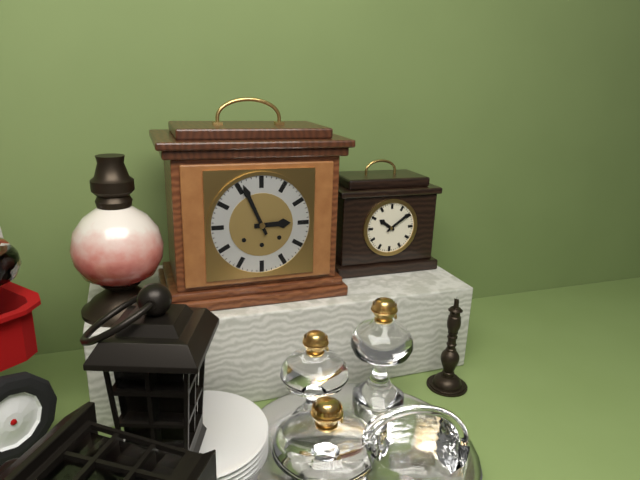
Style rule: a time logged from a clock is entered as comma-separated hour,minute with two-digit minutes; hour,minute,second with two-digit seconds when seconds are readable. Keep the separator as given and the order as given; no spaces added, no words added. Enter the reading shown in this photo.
2,56
